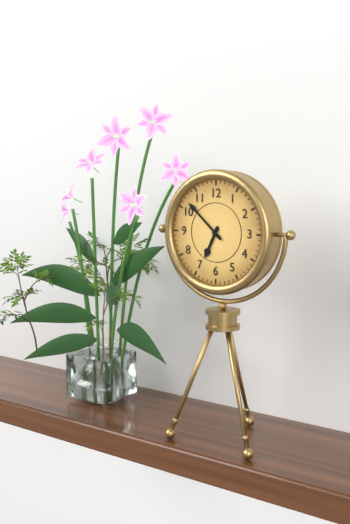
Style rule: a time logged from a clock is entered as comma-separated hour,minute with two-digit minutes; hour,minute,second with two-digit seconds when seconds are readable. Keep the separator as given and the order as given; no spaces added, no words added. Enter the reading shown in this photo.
6,52
